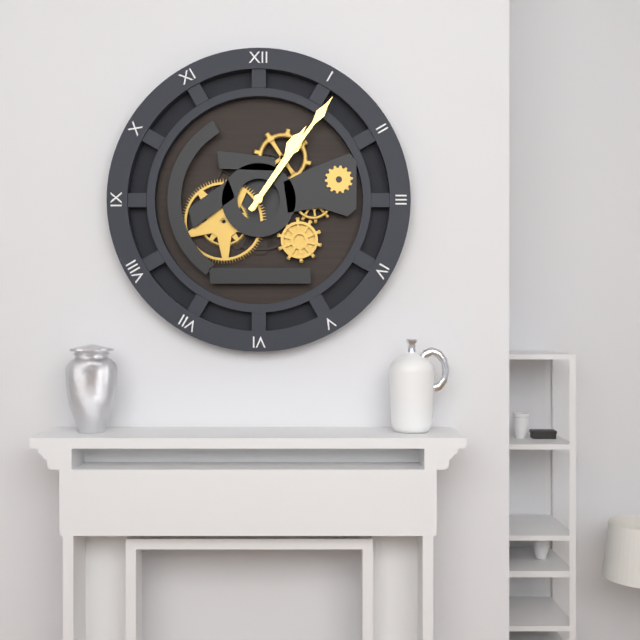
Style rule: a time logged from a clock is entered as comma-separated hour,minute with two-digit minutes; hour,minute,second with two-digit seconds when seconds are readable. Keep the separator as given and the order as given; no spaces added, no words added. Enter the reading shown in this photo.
1,06
